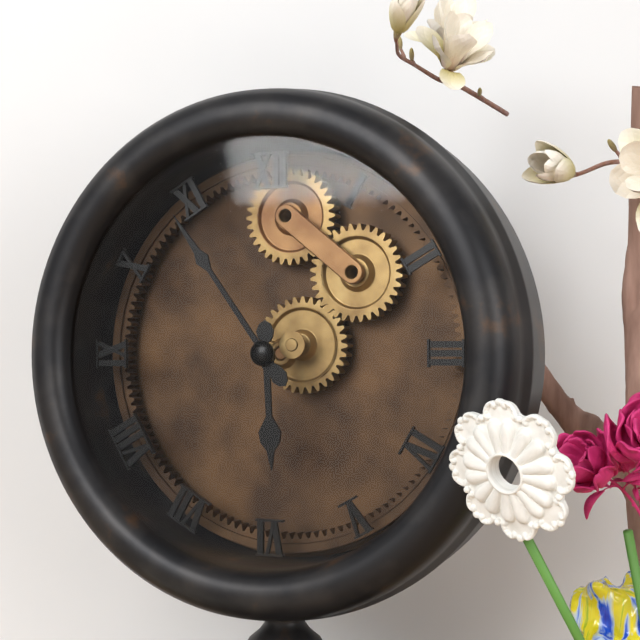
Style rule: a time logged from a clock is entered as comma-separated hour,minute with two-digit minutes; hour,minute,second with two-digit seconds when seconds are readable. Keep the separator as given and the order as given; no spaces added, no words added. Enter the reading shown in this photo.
5,54
